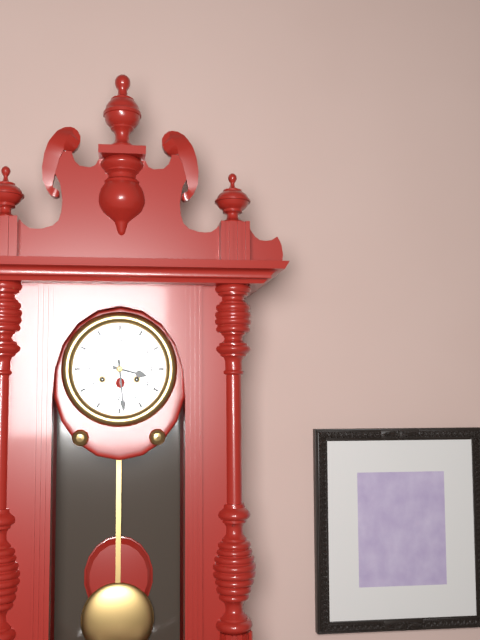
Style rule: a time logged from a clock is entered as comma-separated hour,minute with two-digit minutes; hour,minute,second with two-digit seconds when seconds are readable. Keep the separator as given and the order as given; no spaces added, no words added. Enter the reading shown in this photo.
3,29
